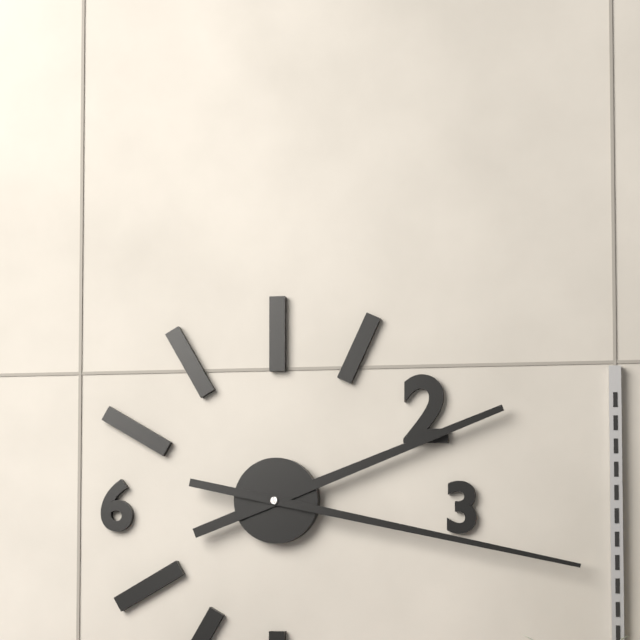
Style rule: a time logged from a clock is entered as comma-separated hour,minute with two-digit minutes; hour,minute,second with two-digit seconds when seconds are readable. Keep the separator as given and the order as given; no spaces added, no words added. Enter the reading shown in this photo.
2,17
